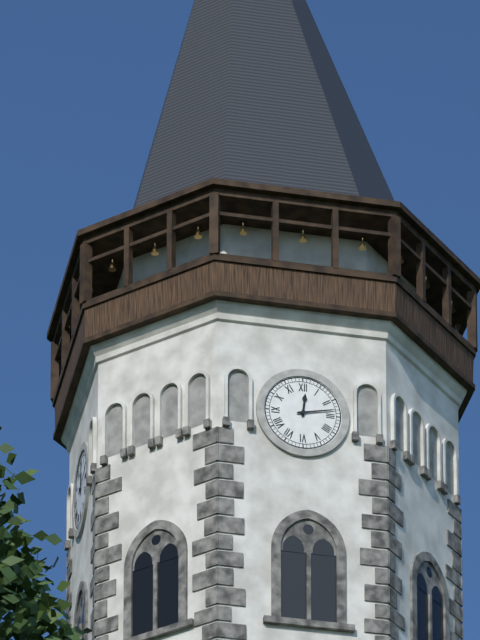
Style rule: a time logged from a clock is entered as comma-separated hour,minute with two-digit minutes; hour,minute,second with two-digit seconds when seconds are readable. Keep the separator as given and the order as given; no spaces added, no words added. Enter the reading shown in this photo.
12,13
